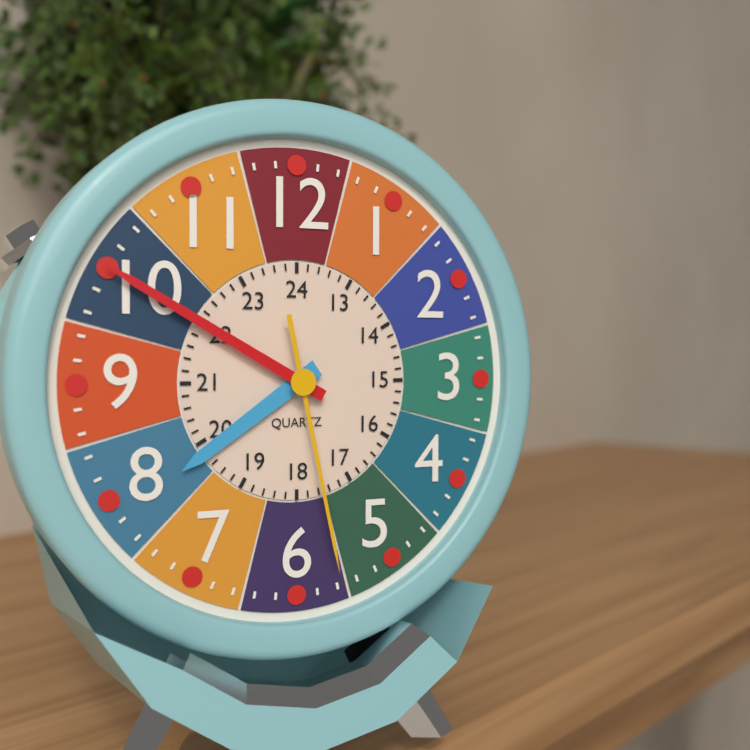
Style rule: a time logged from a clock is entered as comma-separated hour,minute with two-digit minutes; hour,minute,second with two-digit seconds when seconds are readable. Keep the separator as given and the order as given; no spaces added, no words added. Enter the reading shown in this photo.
7,50,28
